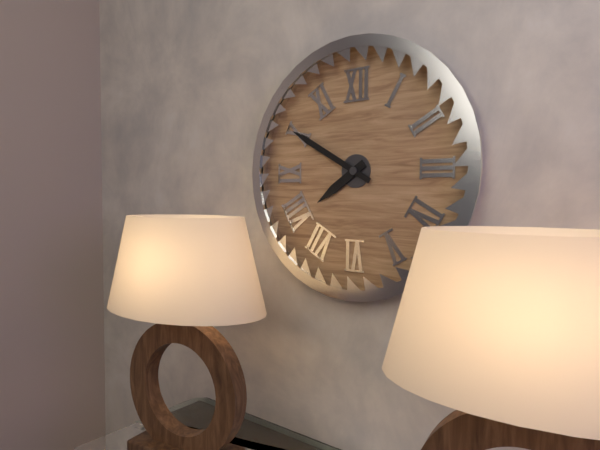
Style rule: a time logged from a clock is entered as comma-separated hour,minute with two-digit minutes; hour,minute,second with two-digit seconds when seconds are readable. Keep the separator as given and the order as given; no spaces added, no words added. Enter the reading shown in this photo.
7,50
